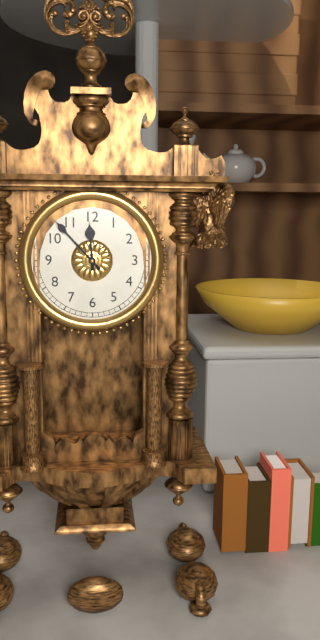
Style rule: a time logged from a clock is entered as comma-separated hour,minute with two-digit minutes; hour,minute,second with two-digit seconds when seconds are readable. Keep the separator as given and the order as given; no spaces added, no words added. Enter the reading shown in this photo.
11,53
